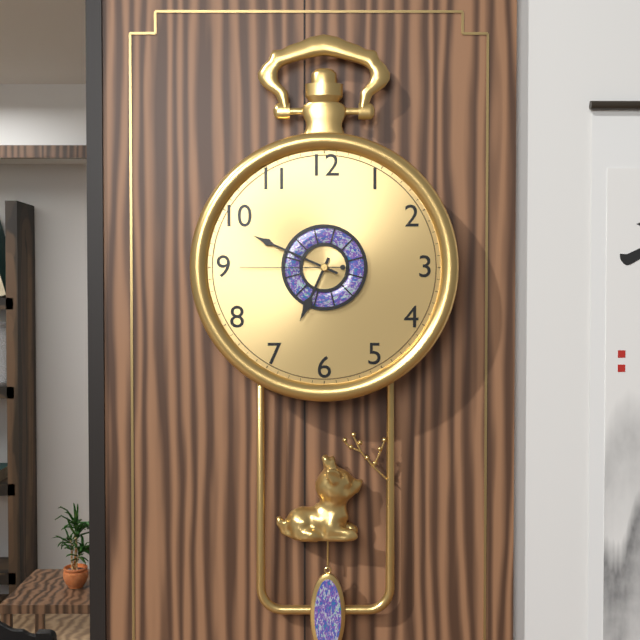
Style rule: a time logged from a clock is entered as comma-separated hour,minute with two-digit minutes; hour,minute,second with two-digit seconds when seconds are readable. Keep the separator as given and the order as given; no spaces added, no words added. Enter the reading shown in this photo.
6,49,45
